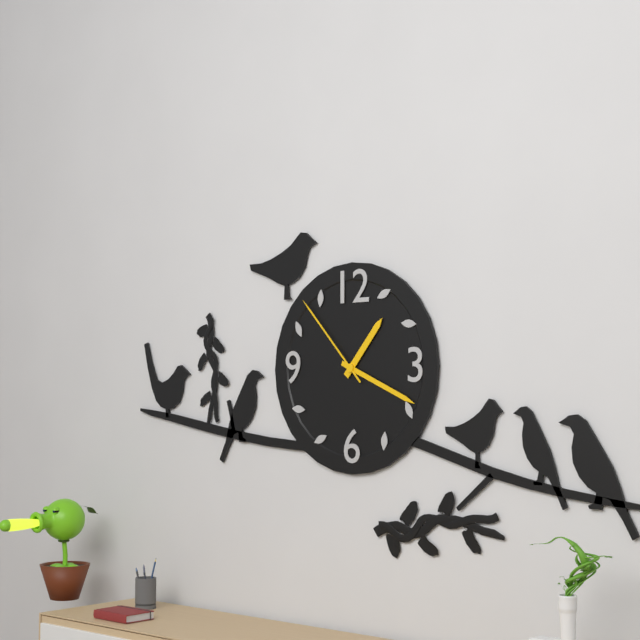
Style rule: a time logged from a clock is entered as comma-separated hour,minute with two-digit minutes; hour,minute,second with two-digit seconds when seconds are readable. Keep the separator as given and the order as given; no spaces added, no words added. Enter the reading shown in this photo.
1,19,53
